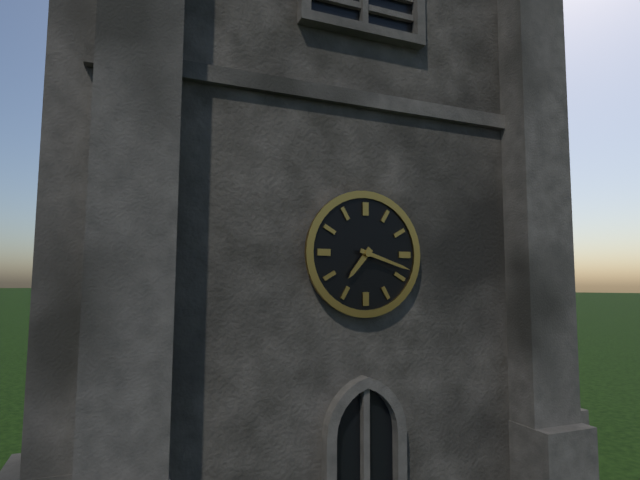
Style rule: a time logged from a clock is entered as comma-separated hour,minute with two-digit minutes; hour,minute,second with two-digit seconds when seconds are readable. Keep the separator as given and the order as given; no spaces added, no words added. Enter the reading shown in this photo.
7,18
